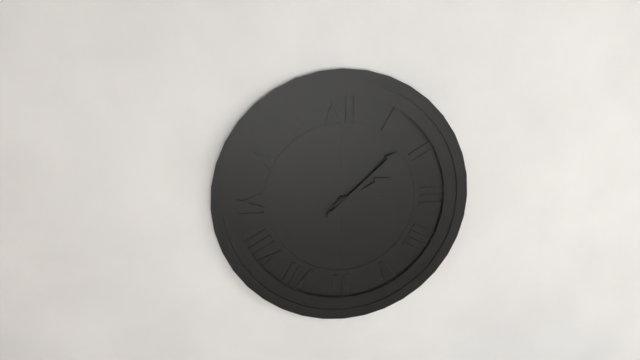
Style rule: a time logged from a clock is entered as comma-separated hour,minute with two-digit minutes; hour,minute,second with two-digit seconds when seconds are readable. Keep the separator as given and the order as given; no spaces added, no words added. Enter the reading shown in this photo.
2,08
